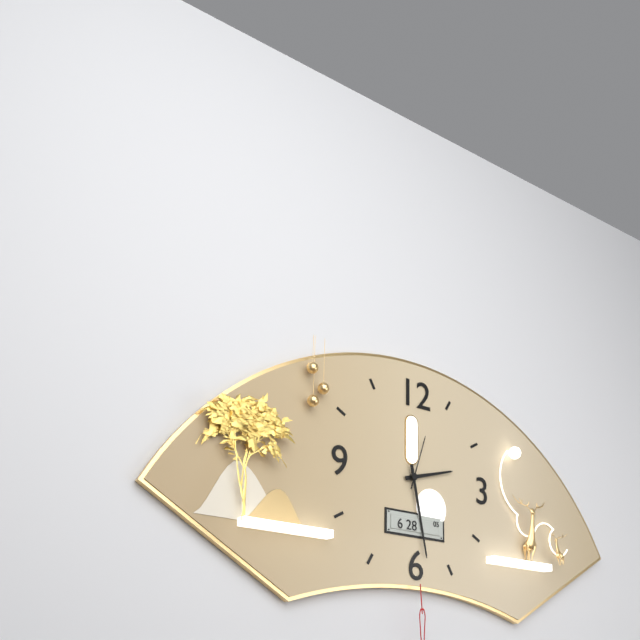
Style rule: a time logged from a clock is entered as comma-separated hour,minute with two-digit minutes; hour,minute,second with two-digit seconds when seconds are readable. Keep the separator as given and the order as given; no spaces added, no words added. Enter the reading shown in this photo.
2,28,03
